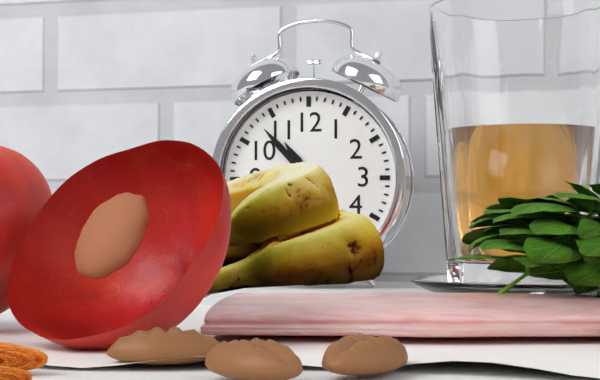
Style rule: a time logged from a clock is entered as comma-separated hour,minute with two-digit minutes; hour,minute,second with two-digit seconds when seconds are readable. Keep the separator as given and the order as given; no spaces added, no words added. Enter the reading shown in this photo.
10,53
